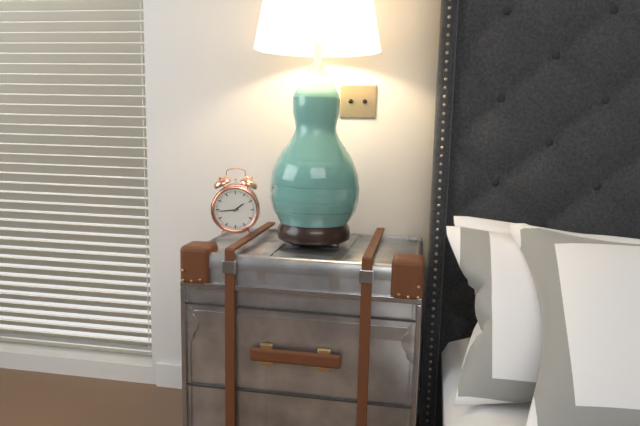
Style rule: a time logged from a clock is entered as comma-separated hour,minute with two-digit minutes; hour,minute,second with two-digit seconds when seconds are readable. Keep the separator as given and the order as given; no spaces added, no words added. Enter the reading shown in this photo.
1,44
